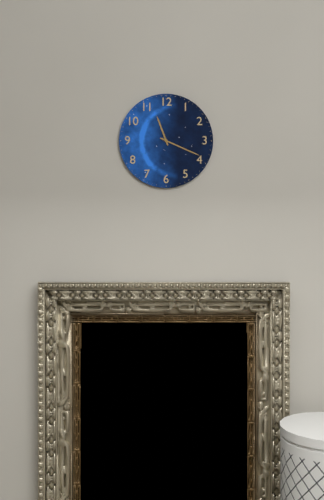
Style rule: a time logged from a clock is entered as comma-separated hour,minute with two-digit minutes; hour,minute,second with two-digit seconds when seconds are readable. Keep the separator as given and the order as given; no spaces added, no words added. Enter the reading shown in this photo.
11,19
